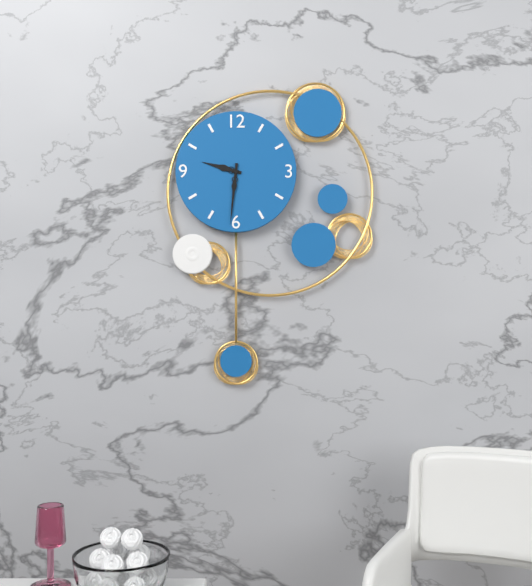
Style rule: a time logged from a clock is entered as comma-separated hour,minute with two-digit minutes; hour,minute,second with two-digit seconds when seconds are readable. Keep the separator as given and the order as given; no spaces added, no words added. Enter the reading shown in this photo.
9,31
